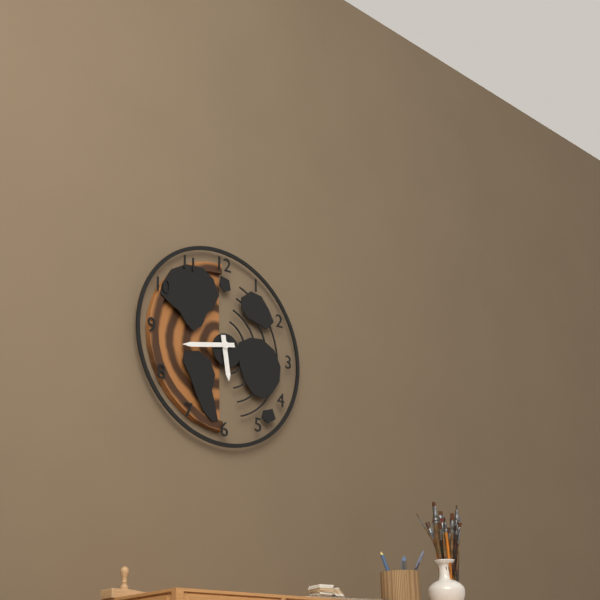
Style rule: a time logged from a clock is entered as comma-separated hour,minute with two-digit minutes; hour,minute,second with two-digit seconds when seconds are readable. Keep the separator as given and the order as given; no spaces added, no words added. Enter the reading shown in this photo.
5,43
